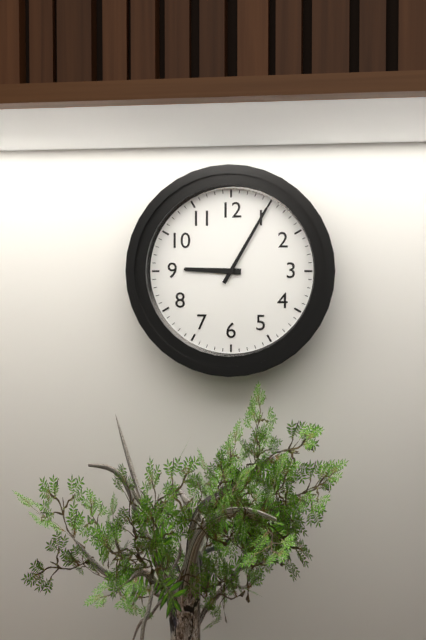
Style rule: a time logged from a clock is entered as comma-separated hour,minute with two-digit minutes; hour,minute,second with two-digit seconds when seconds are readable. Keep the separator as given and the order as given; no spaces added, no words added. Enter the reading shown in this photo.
9,05
